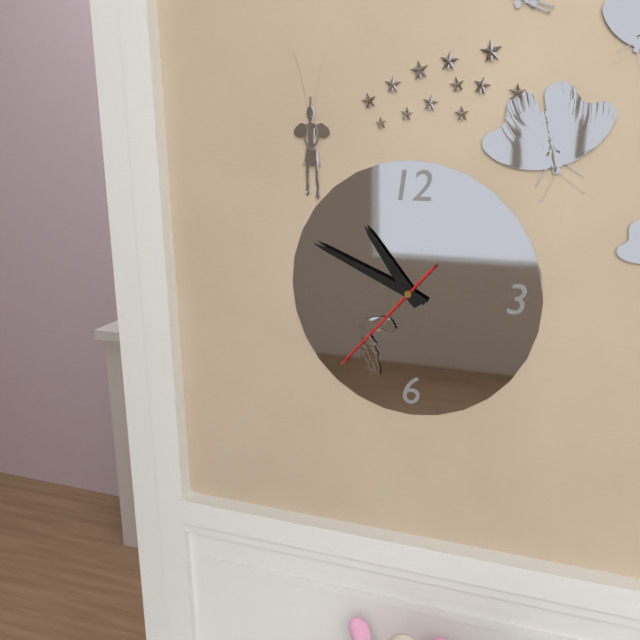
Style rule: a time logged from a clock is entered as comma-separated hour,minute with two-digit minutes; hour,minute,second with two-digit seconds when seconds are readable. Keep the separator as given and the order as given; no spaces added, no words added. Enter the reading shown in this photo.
10,49,37
